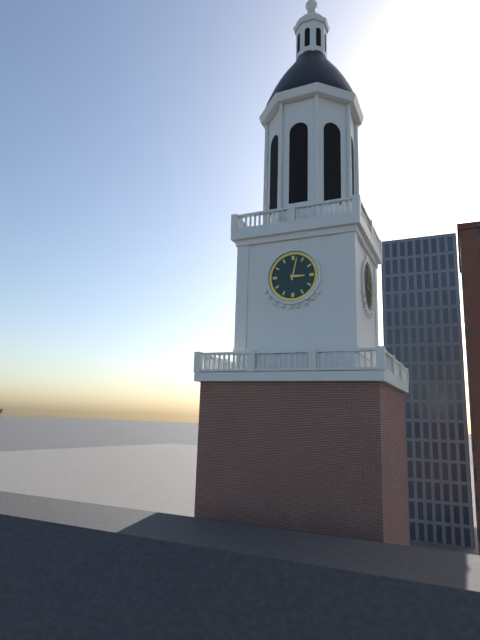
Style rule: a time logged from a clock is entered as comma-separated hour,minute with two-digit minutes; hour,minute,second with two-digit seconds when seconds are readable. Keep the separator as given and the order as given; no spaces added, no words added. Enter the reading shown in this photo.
3,02
